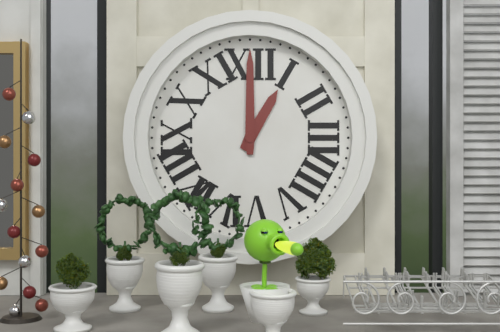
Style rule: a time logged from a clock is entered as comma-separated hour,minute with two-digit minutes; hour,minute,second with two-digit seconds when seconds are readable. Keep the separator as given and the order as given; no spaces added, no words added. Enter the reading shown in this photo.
1,00
